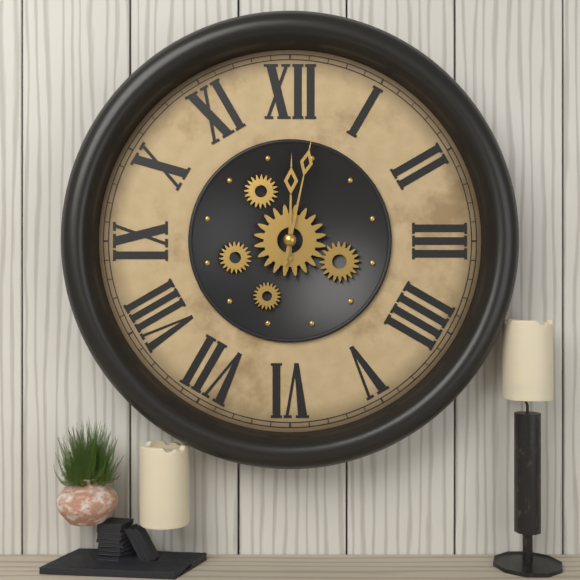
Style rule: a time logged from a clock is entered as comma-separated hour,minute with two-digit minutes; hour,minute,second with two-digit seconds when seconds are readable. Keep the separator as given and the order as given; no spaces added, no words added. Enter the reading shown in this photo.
12,02
